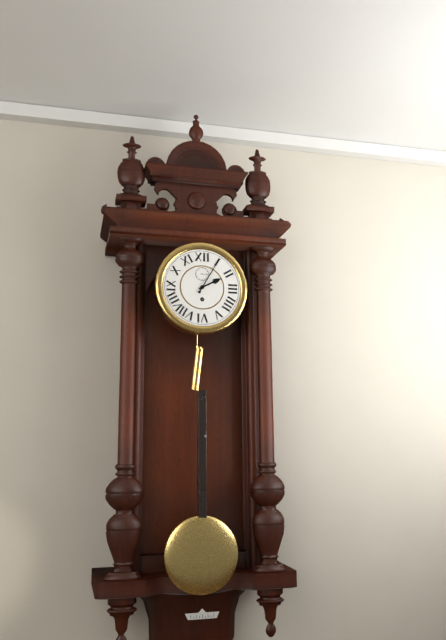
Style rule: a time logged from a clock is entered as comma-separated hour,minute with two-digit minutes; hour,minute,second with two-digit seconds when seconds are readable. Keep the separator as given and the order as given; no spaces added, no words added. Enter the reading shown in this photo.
2,05
